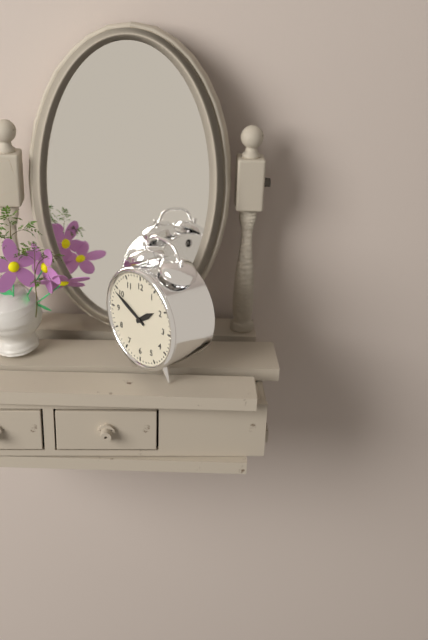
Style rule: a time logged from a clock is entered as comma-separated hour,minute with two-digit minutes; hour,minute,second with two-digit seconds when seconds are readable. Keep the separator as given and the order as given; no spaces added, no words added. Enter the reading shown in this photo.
1,49
